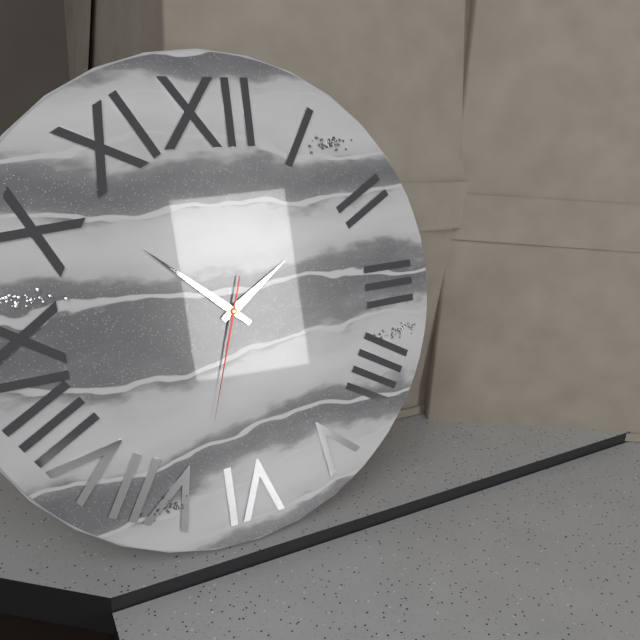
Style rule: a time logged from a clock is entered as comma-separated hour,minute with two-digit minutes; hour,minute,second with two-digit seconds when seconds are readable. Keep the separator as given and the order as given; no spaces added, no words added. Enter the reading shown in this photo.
1,52,33
